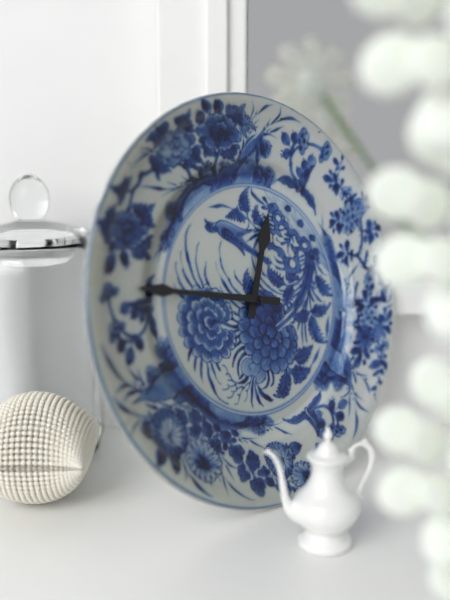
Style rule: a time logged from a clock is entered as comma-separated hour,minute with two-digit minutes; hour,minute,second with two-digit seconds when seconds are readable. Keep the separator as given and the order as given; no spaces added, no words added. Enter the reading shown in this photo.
12,47
